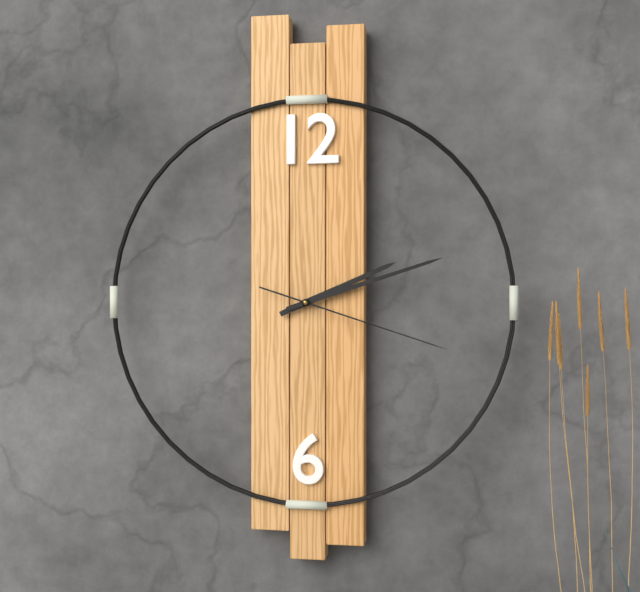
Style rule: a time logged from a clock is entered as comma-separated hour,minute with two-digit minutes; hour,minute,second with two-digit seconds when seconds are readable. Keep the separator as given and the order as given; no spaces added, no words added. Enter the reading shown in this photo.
2,12,18
